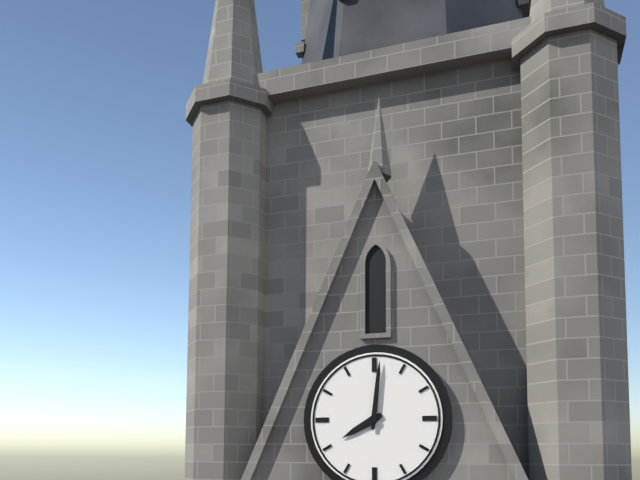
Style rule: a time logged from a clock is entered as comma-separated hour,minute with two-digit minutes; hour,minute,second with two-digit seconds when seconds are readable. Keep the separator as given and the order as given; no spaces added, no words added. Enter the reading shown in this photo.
8,01
